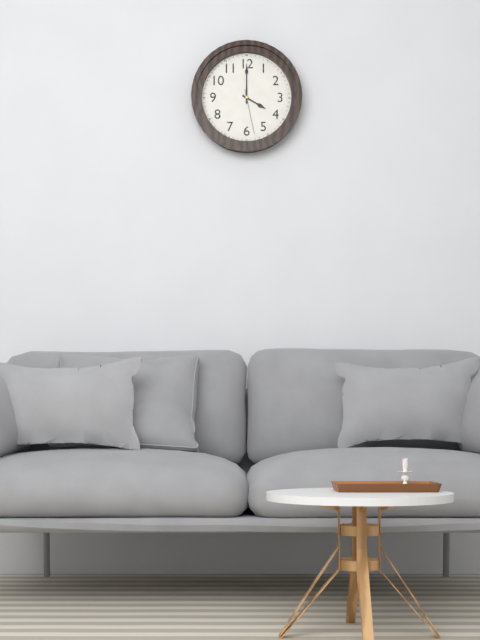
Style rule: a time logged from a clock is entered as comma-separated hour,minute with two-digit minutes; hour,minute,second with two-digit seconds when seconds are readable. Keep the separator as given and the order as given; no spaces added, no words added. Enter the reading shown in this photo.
4,00
